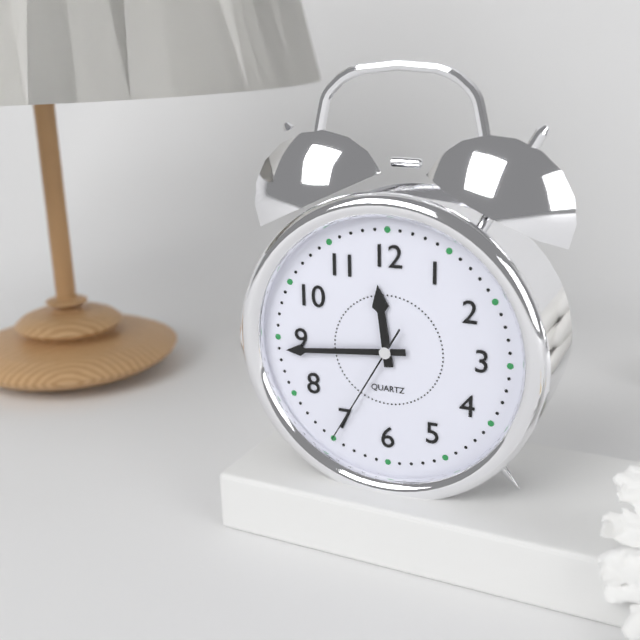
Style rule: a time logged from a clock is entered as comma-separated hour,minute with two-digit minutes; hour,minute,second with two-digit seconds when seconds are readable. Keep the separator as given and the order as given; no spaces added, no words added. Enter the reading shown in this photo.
11,44,35
